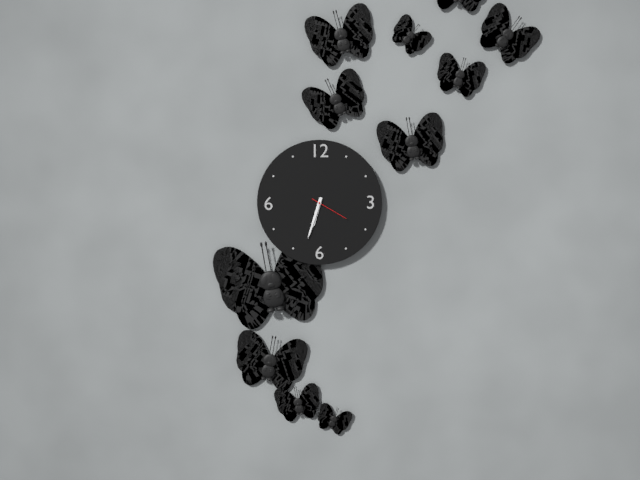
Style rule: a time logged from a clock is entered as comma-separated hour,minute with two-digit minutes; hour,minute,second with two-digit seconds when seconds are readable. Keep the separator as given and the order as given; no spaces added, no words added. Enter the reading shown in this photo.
6,33
